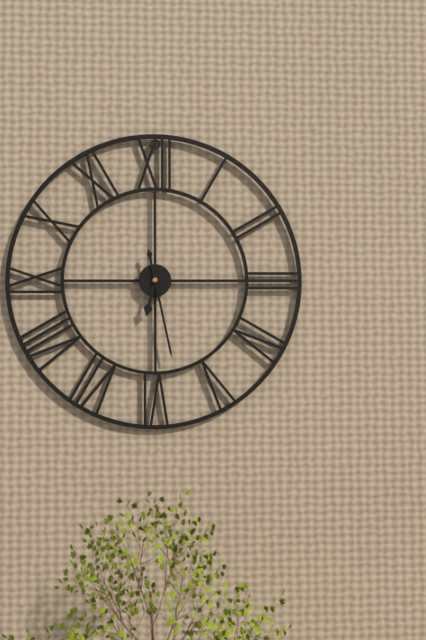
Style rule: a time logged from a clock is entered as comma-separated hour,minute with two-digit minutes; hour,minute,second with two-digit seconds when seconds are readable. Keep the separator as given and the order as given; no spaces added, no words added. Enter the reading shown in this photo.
6,28
